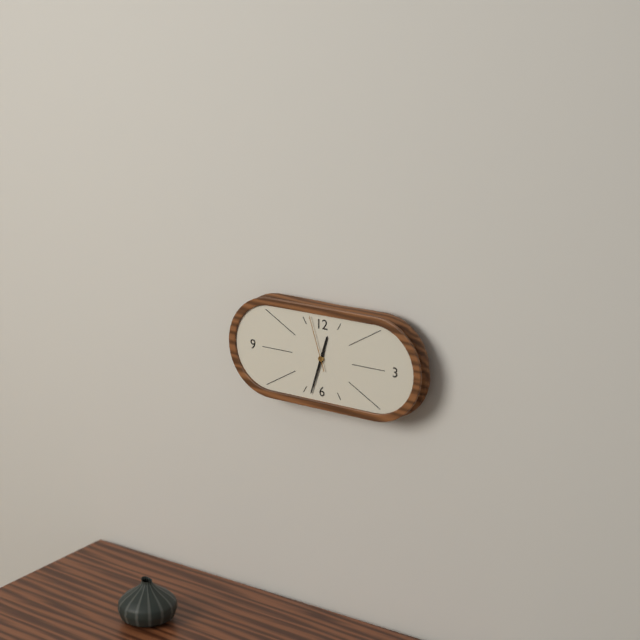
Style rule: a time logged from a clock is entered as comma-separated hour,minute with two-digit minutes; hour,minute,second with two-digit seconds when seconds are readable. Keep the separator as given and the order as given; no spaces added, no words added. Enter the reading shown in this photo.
12,33,57
